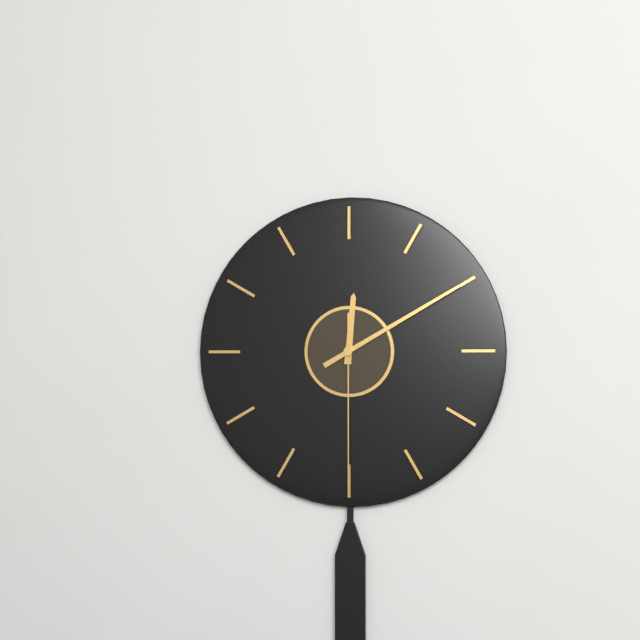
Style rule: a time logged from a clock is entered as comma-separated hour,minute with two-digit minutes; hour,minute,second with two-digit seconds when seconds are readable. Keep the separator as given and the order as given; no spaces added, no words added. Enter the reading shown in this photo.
12,10,30
